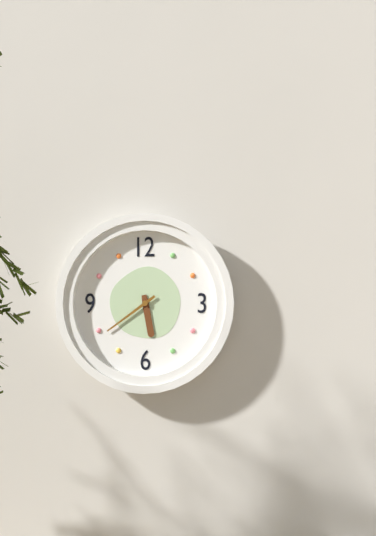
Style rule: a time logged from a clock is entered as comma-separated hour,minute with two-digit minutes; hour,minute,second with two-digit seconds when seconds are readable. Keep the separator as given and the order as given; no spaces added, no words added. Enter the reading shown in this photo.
5,39
